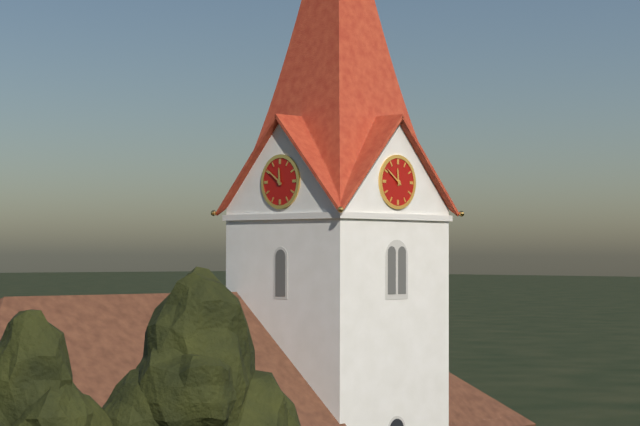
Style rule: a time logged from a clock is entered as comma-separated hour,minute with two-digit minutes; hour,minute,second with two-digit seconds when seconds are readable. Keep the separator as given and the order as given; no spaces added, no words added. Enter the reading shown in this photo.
11,51
